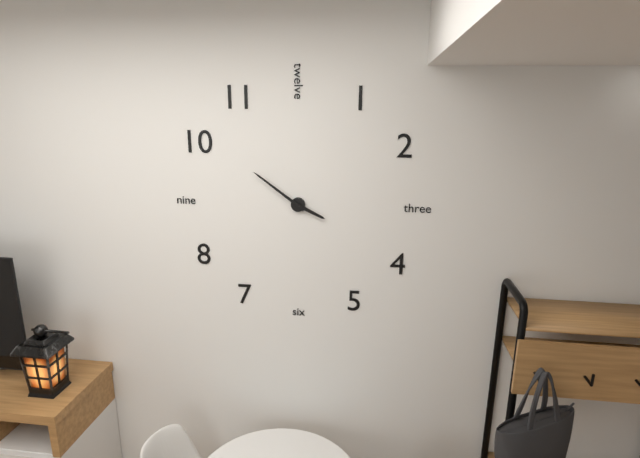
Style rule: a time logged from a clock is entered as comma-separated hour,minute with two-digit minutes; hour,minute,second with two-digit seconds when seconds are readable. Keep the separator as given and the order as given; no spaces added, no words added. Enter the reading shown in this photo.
3,51
